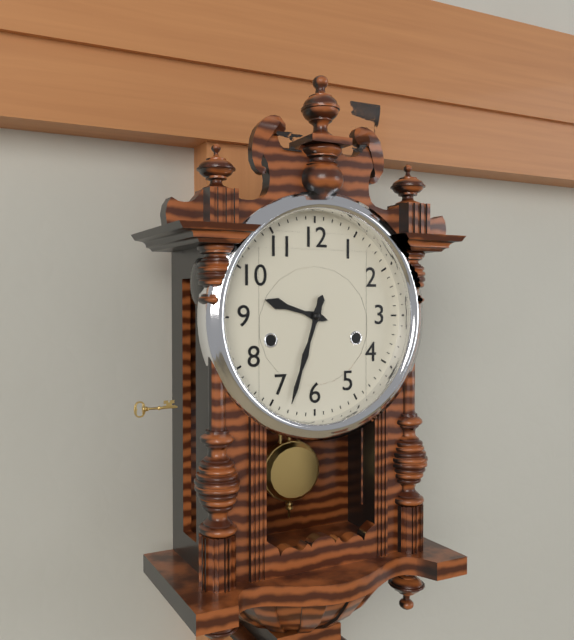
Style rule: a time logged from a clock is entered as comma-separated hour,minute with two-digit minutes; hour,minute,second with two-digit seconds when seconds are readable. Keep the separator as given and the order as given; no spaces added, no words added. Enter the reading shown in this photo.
9,33
